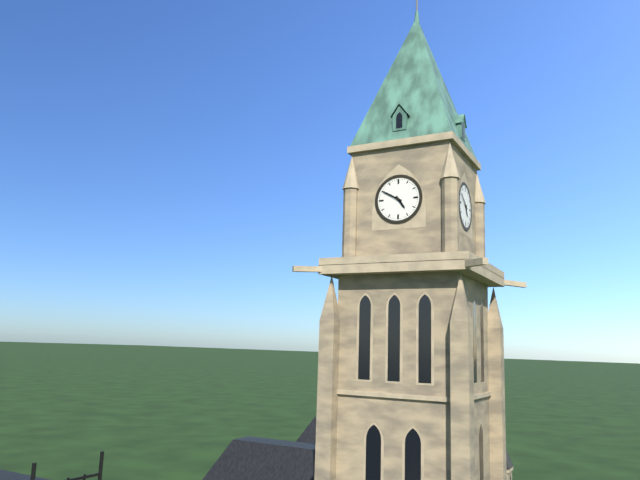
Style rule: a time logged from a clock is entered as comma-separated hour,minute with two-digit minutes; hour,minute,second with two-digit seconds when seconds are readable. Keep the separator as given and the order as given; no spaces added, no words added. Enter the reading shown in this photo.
4,50
